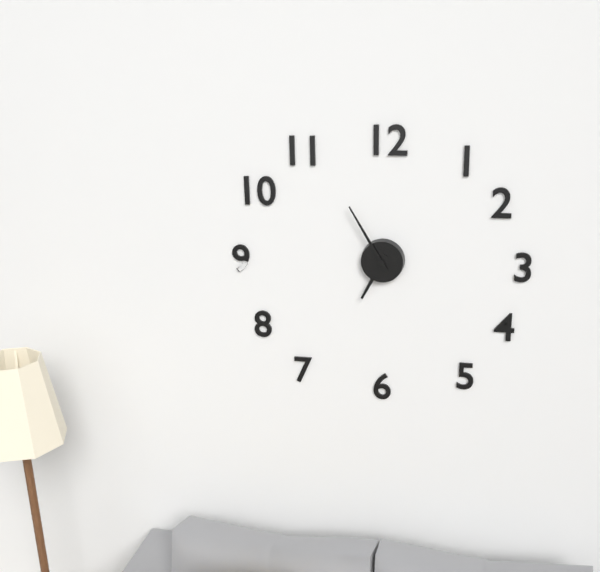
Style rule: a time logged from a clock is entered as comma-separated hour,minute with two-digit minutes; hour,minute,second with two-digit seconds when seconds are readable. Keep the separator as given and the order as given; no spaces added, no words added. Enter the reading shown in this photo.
6,55
